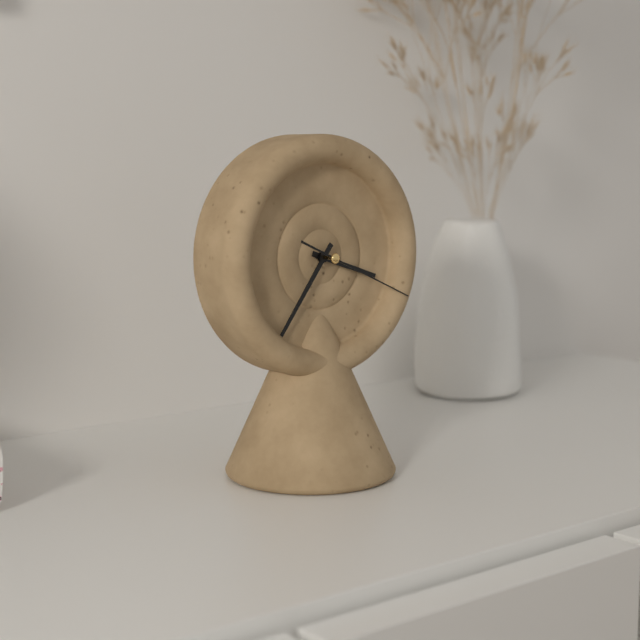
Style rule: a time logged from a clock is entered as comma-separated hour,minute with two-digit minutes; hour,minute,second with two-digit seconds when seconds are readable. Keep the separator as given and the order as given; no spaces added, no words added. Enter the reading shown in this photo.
3,36,19
